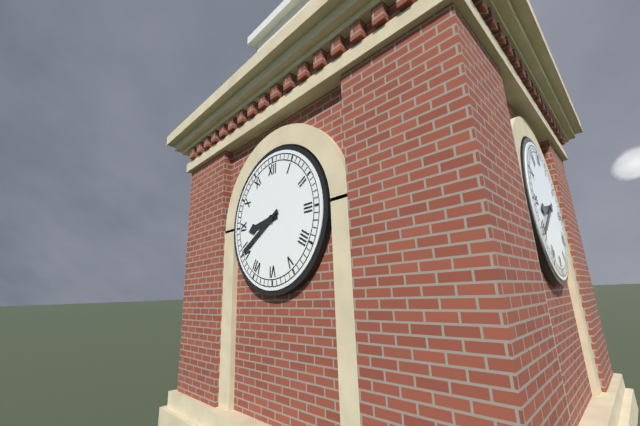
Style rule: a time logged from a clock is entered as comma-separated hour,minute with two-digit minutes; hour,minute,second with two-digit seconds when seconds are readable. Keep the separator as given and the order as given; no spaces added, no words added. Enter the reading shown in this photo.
8,40
